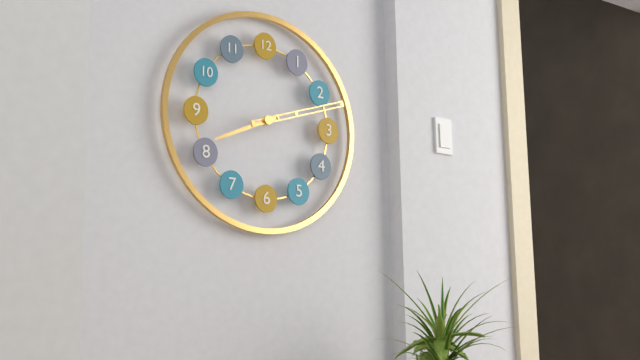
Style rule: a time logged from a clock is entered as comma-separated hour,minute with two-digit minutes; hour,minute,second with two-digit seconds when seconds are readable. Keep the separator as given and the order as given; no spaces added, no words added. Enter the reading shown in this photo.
8,12
